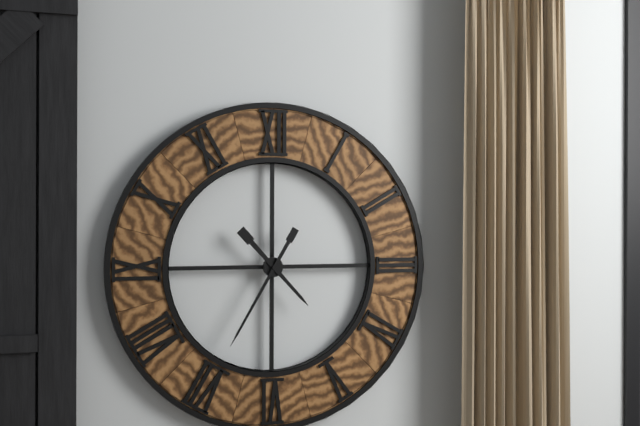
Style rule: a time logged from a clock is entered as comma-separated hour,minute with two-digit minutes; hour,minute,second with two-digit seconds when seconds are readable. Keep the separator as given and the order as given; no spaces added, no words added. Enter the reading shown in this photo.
4,35
